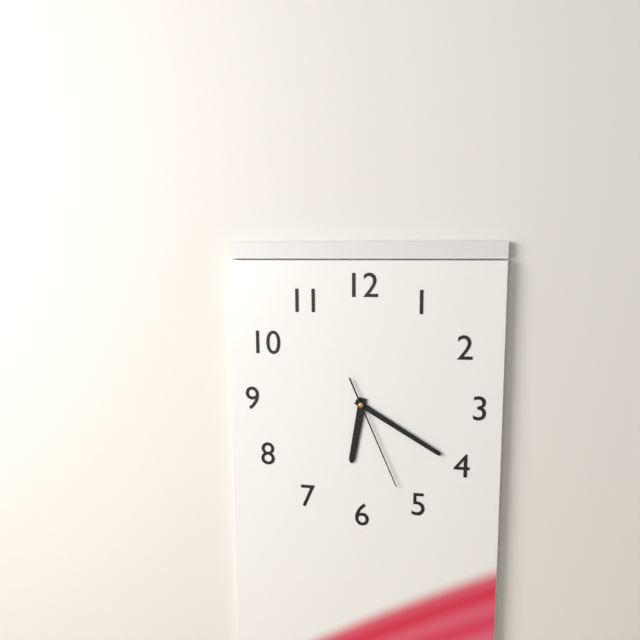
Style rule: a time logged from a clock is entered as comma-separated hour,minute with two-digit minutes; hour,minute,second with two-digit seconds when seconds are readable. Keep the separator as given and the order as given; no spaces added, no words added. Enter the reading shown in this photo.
6,20,26
